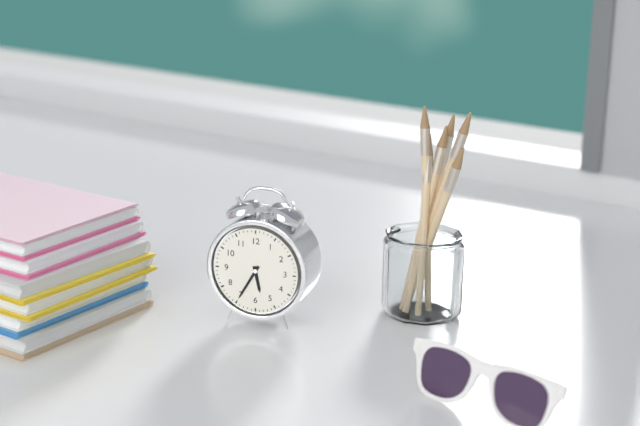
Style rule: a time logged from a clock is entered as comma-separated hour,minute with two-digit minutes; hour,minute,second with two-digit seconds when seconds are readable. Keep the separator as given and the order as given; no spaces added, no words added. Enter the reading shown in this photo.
5,35
